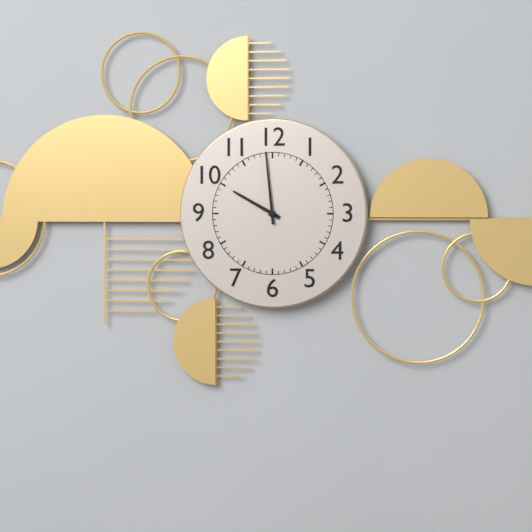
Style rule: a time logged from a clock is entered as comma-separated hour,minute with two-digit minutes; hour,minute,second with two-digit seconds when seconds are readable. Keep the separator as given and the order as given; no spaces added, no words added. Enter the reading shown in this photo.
9,59
